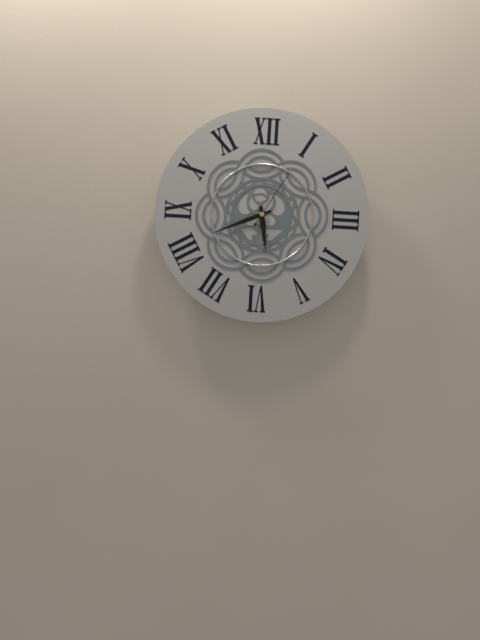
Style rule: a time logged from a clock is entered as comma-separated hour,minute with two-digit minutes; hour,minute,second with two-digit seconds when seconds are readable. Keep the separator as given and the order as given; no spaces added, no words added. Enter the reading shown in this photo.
5,41,05
